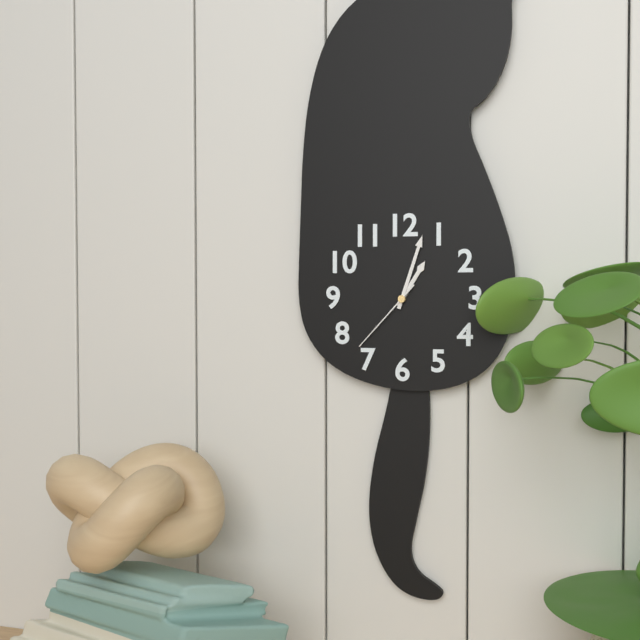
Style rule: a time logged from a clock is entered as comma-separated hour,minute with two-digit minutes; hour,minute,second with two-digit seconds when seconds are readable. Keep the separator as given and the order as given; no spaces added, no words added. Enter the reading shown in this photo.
1,03,37
